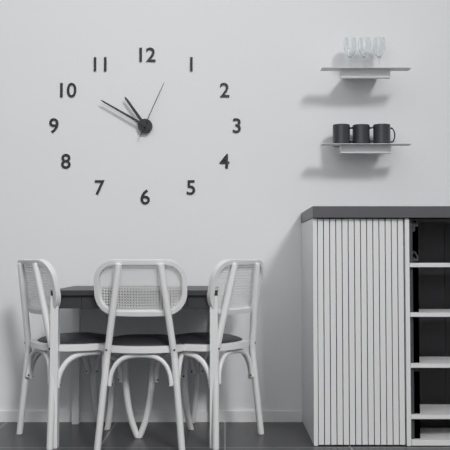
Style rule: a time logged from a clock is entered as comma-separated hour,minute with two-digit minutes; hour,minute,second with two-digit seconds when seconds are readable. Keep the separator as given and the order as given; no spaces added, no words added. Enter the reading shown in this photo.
10,50,04
